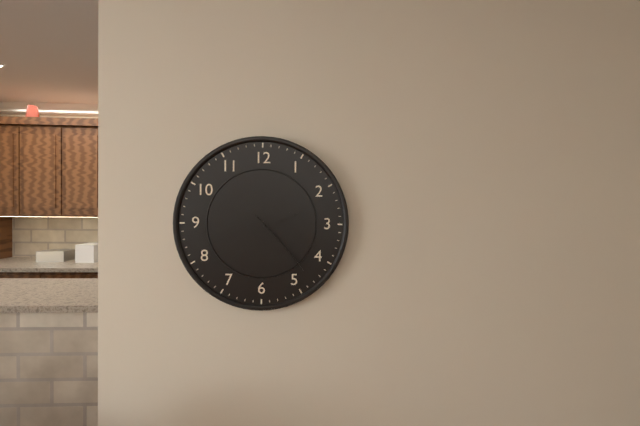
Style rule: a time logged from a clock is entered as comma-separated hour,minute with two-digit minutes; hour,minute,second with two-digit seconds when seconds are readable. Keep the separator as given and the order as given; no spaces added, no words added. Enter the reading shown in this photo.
2,23
